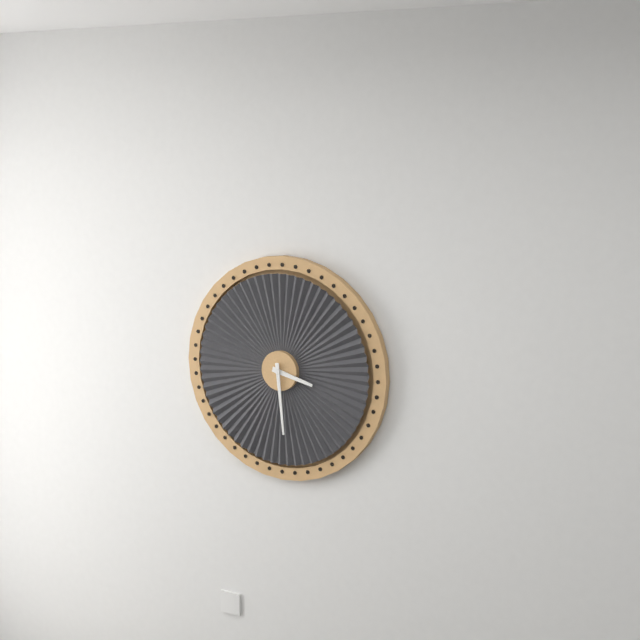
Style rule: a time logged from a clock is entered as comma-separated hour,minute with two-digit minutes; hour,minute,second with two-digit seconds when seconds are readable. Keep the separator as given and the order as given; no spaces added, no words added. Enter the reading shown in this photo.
3,29
